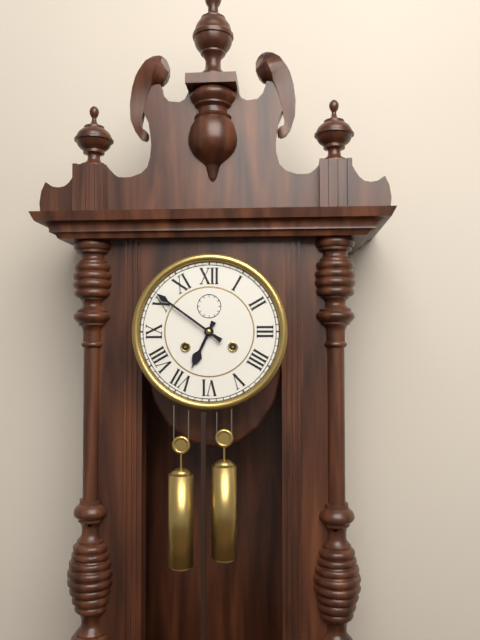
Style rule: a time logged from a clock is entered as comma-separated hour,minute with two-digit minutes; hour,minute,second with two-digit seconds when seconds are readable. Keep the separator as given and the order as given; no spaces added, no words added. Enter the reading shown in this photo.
6,51
